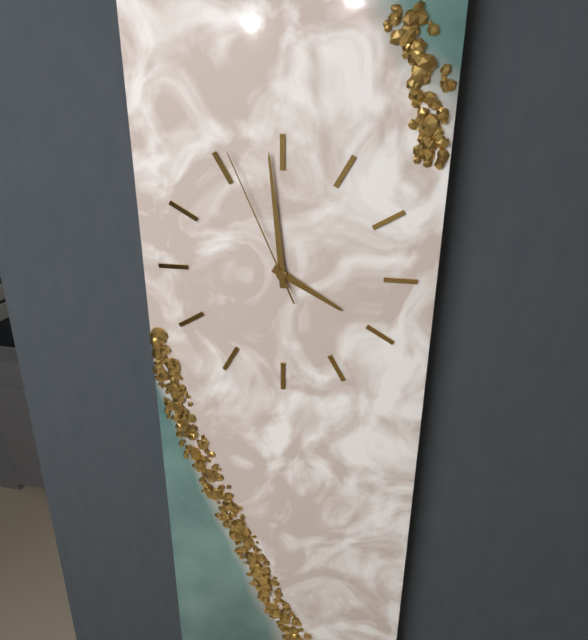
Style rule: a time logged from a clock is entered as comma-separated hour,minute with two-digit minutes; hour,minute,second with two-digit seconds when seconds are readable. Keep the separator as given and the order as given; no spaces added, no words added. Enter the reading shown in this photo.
3,59,56
